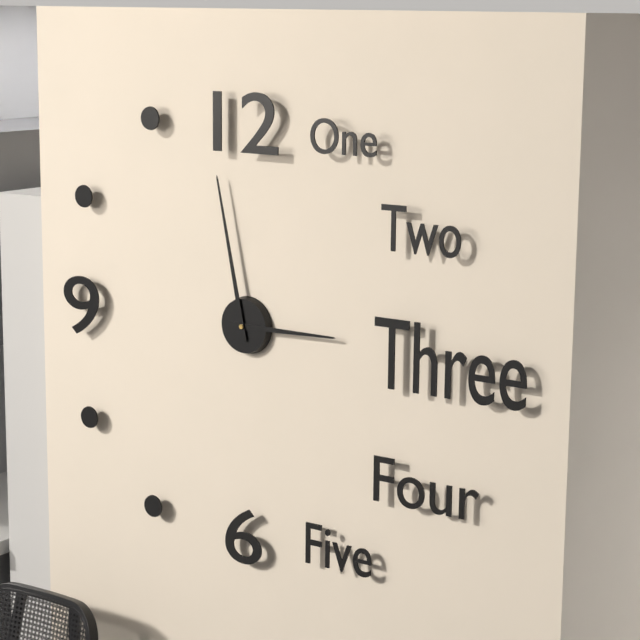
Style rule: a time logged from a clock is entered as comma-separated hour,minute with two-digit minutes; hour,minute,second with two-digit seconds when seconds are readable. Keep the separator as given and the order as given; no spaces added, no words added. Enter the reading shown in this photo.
2,58
